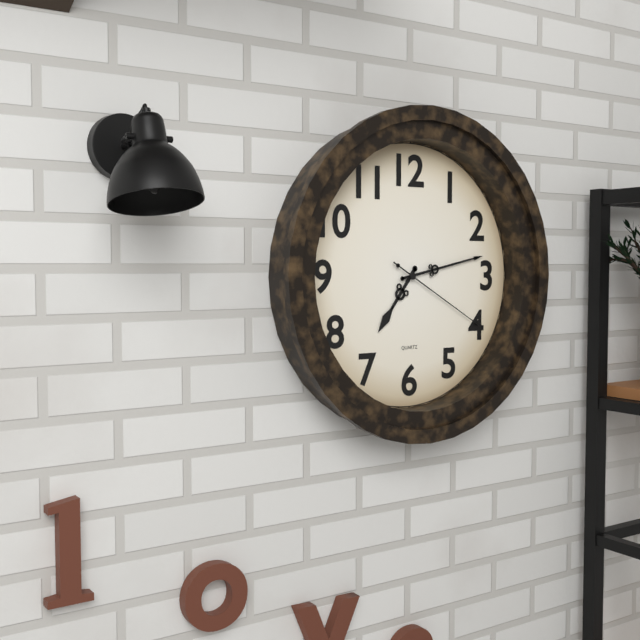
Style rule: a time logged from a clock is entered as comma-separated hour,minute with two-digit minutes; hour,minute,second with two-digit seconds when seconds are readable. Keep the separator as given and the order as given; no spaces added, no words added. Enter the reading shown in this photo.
7,13,20
